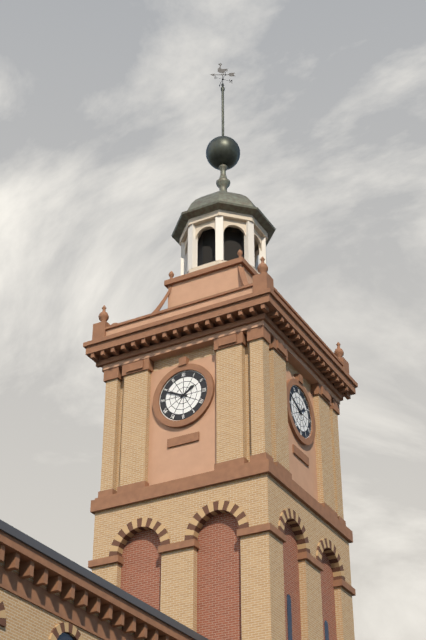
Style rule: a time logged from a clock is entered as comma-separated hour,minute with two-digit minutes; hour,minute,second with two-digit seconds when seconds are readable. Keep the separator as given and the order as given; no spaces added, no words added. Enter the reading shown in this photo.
1,49
